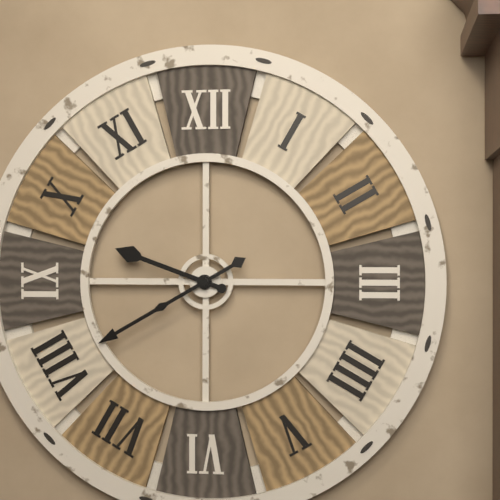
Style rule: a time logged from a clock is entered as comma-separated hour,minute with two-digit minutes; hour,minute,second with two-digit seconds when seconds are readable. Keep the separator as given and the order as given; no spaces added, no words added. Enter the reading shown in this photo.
9,40
